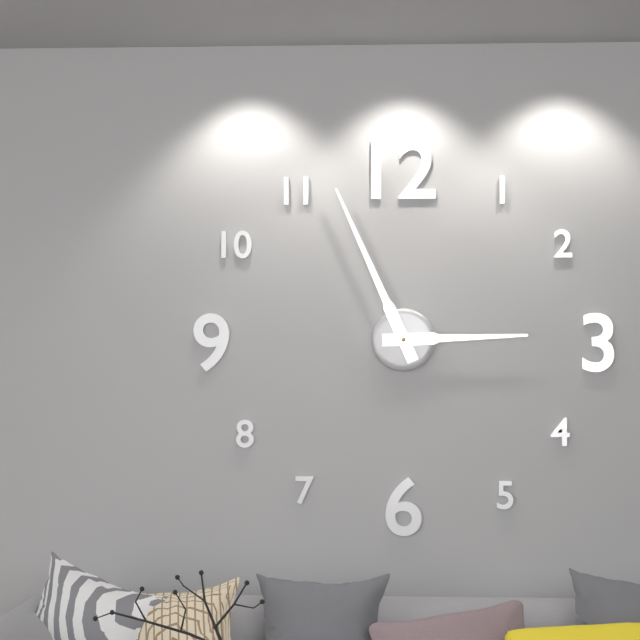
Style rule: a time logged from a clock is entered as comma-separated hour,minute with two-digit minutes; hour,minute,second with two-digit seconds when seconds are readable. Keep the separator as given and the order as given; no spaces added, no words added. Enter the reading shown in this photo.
2,56
